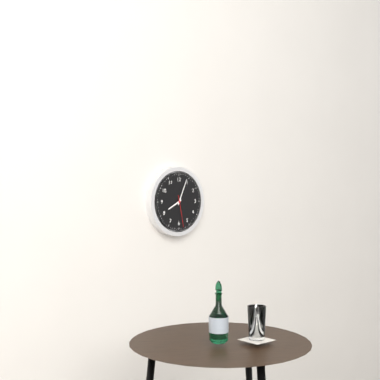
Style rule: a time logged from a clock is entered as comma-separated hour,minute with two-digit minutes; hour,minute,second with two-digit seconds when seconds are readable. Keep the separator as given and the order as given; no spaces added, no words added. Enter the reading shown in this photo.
8,04
